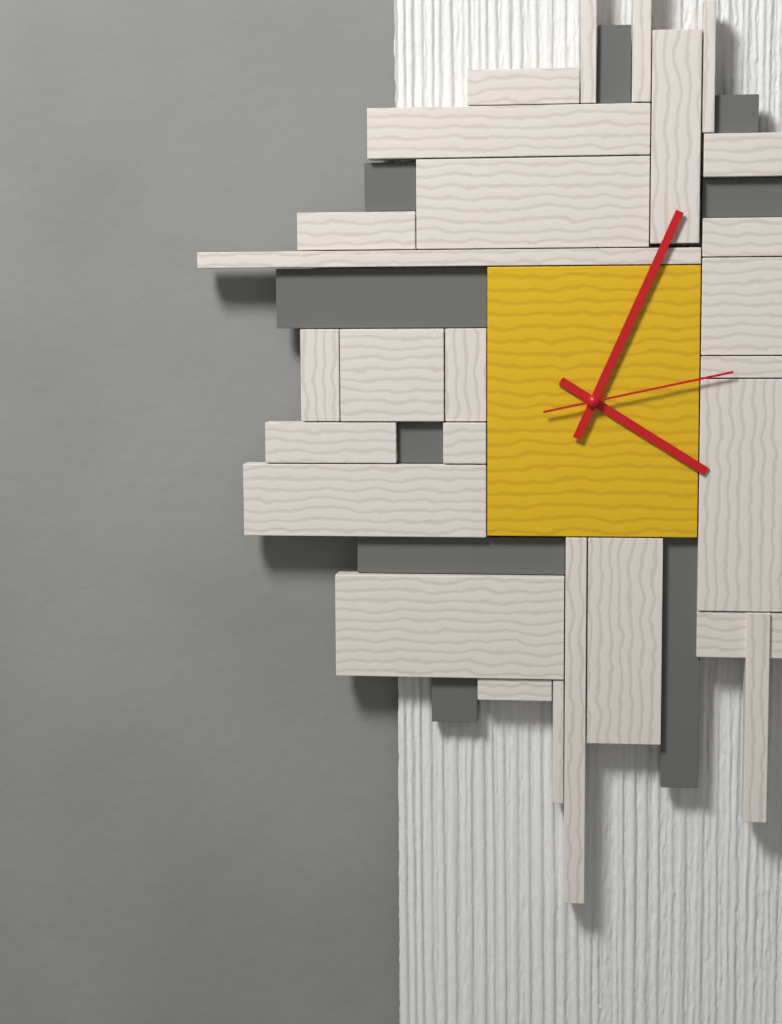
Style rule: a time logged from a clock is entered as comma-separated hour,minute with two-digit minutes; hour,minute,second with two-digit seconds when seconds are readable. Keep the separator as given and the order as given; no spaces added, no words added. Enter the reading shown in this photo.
4,04,13
